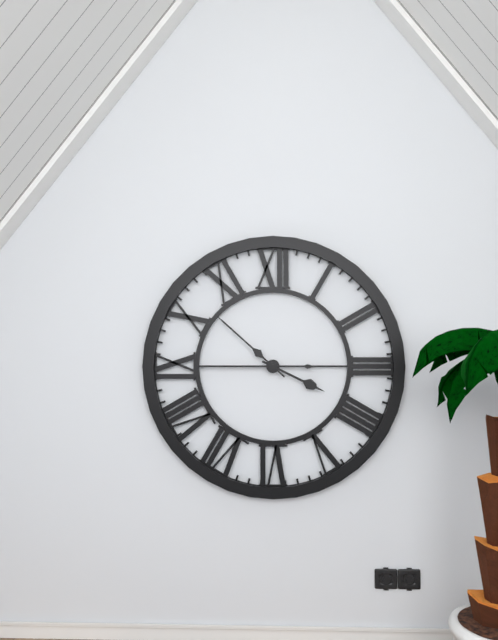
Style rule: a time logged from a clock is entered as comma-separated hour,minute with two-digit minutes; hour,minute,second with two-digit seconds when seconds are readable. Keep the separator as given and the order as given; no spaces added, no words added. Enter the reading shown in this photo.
3,52,45
